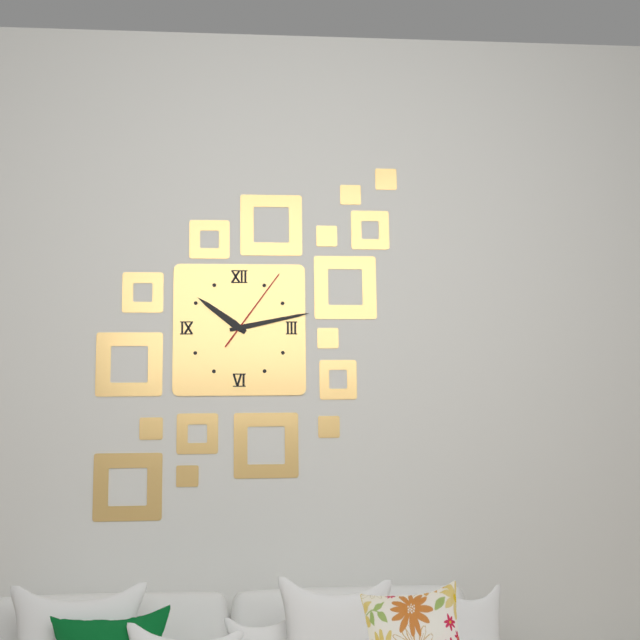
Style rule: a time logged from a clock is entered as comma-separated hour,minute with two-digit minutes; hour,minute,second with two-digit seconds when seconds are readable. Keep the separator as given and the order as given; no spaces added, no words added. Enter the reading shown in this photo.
10,13,06
